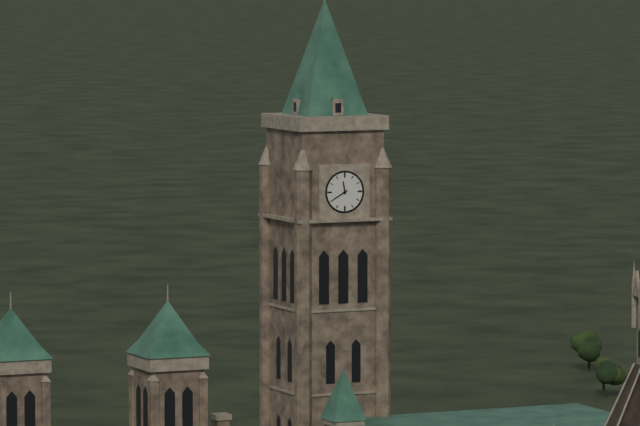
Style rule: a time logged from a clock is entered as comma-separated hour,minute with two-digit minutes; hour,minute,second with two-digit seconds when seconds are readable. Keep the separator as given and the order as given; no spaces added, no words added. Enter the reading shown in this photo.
11,40
